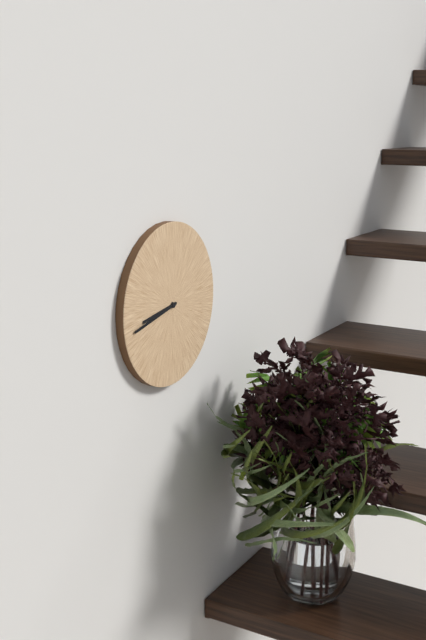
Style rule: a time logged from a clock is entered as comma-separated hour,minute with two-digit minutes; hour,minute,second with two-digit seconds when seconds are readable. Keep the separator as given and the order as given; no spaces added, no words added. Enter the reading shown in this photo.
8,43
